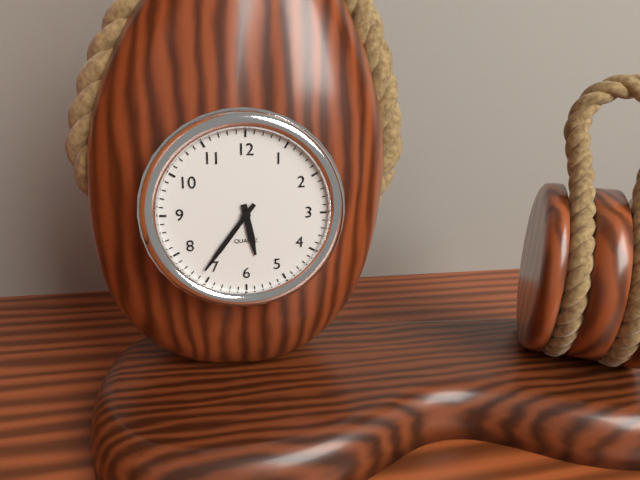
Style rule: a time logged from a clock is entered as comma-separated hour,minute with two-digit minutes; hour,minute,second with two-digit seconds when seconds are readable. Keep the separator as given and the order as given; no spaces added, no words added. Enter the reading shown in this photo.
5,36
